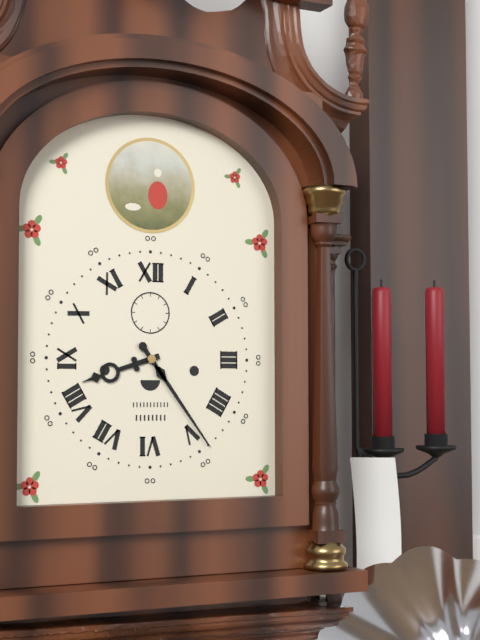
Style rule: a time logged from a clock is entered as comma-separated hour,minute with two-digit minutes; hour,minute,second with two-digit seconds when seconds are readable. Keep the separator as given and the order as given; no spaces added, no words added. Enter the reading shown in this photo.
8,24
